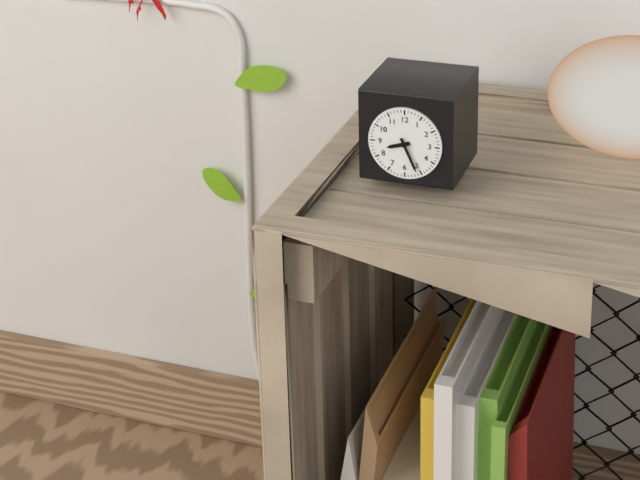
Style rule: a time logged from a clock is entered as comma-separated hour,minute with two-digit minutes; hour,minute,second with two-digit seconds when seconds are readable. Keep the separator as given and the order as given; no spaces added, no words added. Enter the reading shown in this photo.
8,26
